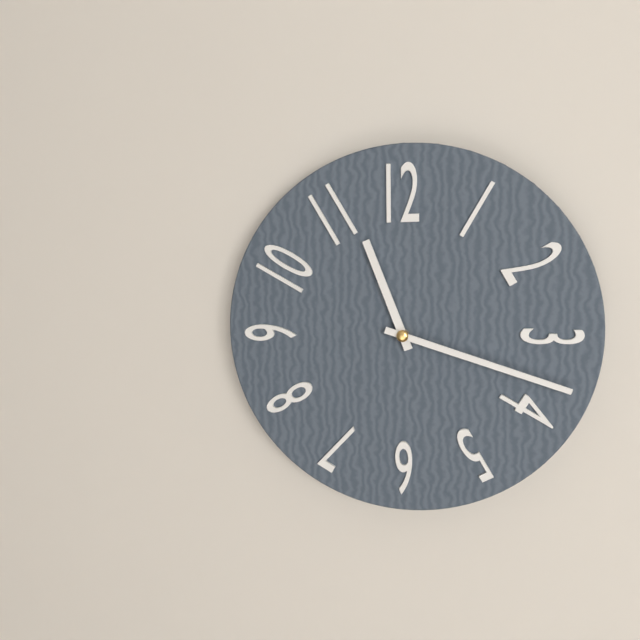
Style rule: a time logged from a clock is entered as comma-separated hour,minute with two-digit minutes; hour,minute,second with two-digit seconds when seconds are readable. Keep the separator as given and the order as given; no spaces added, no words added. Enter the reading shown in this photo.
11,18
